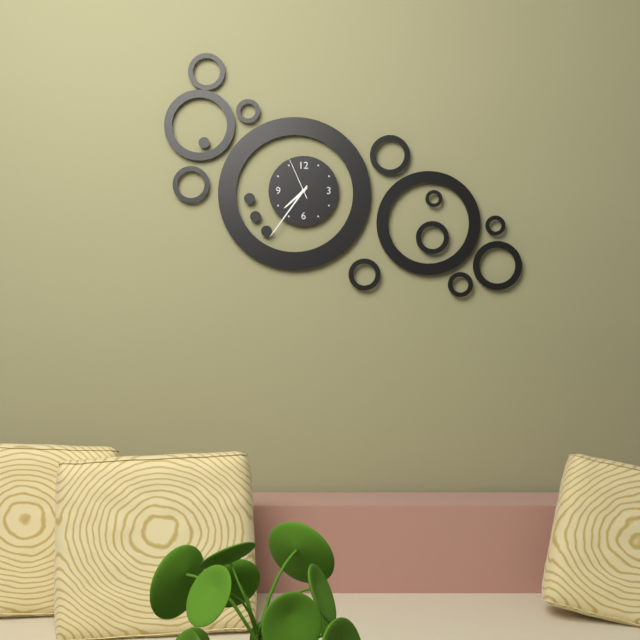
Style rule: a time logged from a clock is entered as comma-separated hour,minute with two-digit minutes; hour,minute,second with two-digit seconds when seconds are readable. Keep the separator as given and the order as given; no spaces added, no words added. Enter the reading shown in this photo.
7,36
